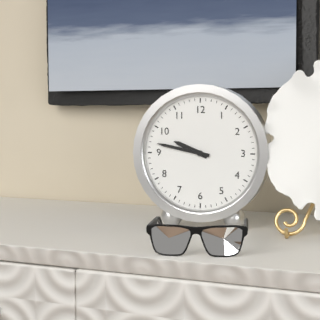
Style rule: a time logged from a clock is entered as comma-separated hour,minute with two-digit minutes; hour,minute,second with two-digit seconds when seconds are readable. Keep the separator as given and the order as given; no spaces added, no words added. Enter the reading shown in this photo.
9,47
